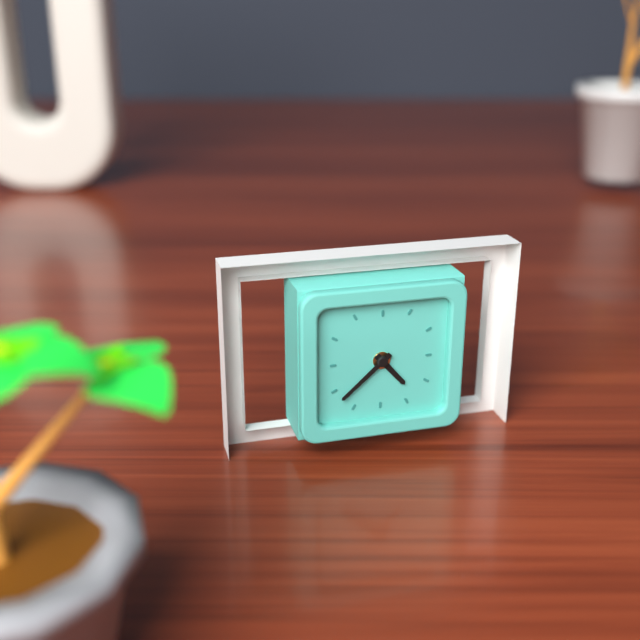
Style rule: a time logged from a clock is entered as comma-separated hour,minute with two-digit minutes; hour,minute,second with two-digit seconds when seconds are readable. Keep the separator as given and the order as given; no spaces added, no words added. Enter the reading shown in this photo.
4,38
